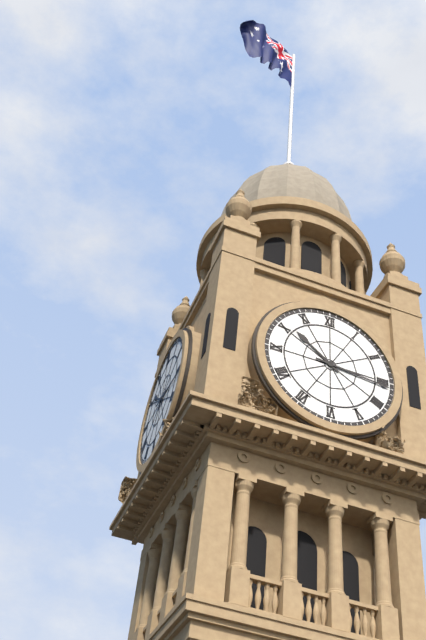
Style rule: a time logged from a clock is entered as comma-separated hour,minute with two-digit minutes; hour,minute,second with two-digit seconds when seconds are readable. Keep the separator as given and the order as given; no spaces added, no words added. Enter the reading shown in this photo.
10,16
